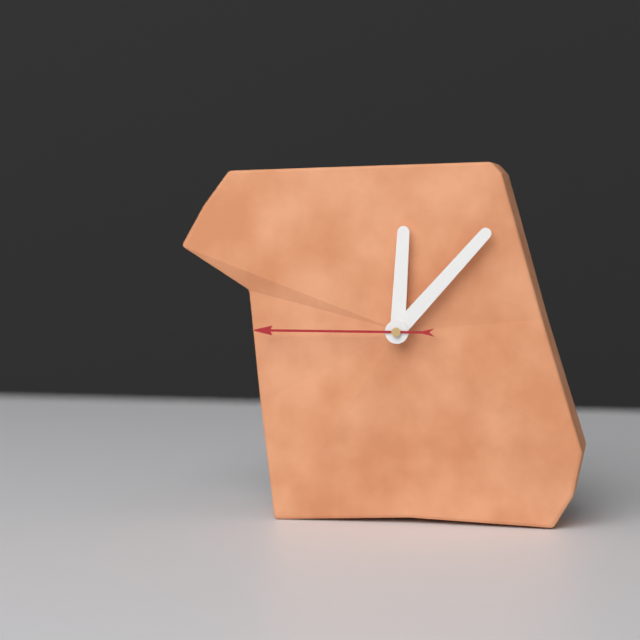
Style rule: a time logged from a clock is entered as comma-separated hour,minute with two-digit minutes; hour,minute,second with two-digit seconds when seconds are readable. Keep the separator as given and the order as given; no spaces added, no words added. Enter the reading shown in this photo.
12,07,45
